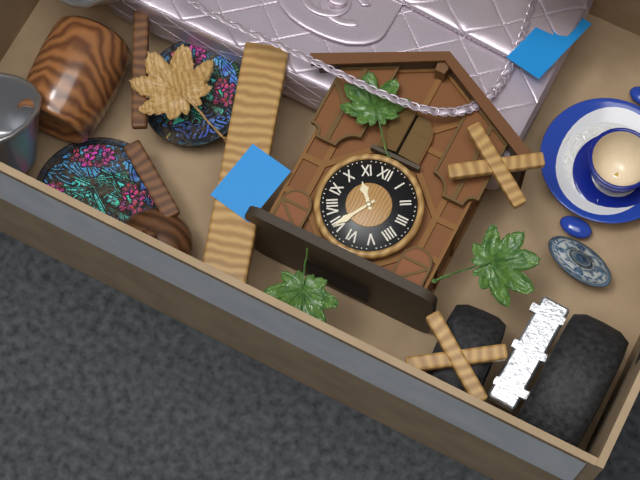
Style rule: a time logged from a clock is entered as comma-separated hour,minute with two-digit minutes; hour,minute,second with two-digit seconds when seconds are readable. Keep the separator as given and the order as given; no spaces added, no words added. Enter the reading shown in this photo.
10,35
